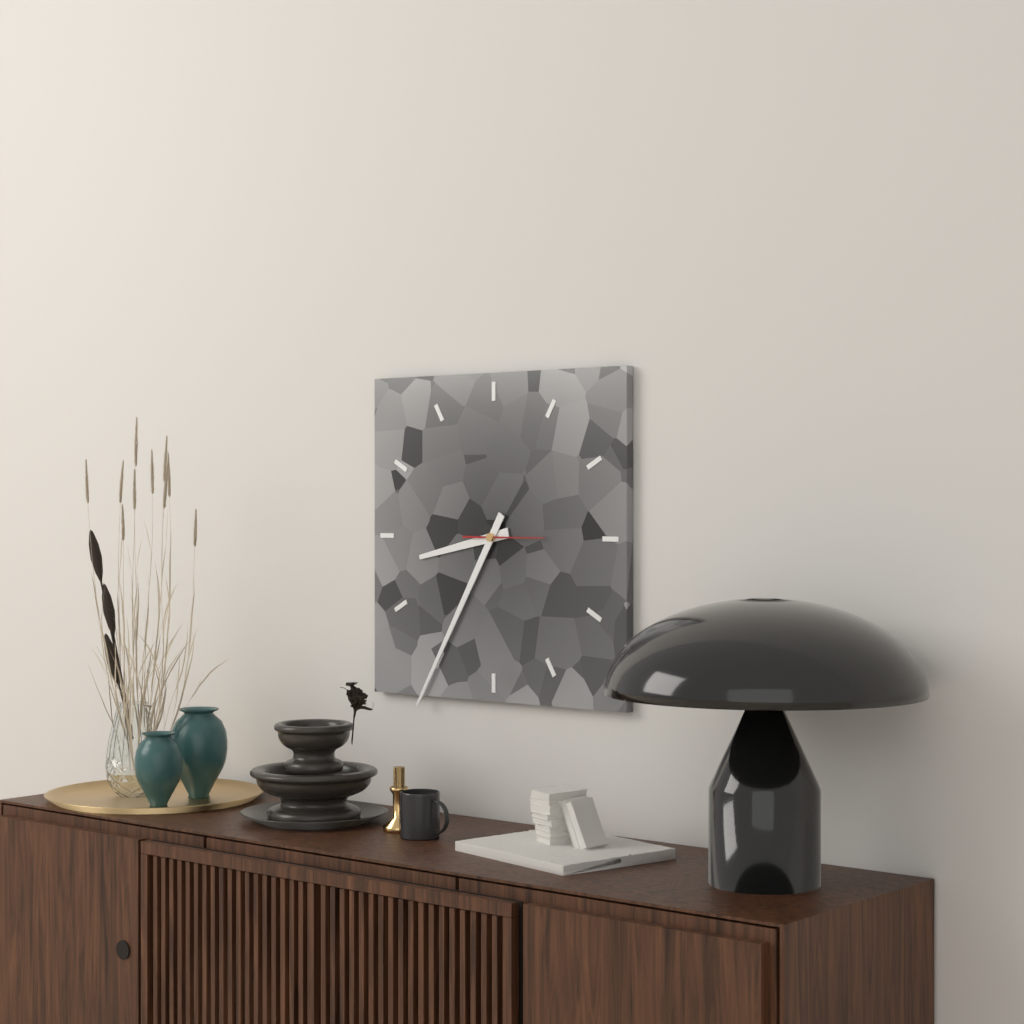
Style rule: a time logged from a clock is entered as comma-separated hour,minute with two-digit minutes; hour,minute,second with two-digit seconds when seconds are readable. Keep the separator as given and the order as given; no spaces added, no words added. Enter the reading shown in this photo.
8,35,15
